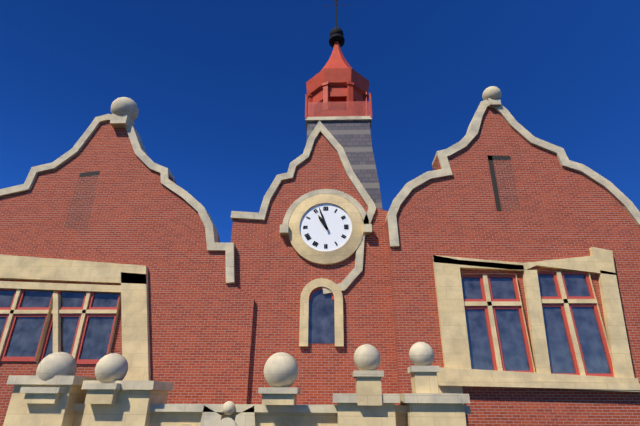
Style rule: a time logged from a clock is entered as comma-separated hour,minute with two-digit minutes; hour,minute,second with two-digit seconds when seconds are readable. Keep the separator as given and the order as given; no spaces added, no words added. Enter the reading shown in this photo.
10,57
